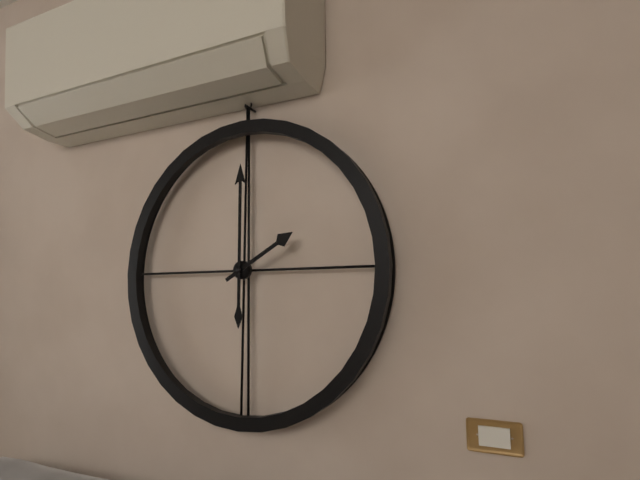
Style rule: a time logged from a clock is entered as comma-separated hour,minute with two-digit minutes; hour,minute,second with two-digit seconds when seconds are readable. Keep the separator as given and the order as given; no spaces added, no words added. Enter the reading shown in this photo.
2,00
